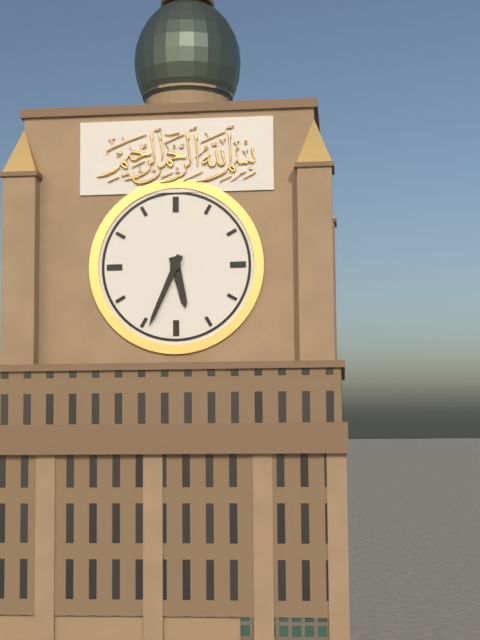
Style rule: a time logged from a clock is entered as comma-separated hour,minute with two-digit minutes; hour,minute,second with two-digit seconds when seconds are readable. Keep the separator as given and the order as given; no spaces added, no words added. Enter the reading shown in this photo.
5,34
